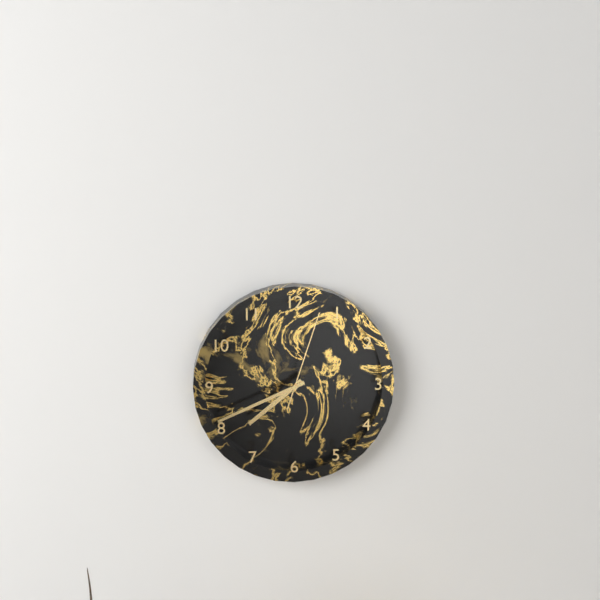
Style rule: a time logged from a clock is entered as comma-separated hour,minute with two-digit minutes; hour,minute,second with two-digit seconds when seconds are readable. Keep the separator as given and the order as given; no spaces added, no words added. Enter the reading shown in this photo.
7,41,03
